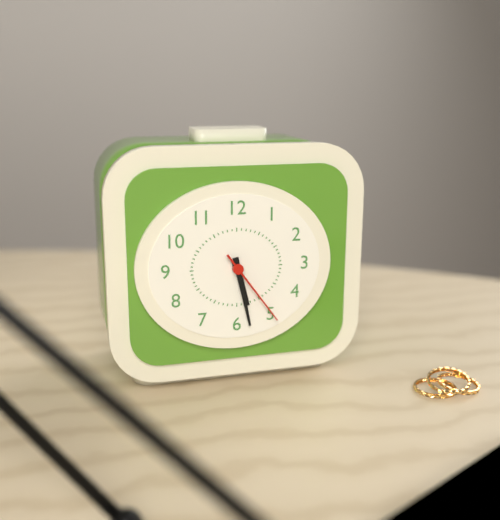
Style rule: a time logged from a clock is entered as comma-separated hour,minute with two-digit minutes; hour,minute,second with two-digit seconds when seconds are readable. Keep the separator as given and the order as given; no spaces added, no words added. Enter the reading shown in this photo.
5,28,24
